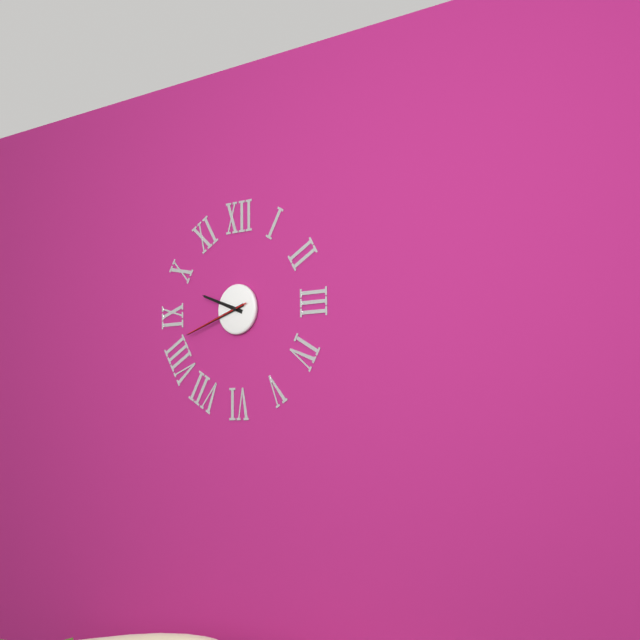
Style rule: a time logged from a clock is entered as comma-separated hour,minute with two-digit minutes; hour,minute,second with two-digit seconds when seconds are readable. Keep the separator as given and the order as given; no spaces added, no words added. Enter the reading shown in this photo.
9,42,42
